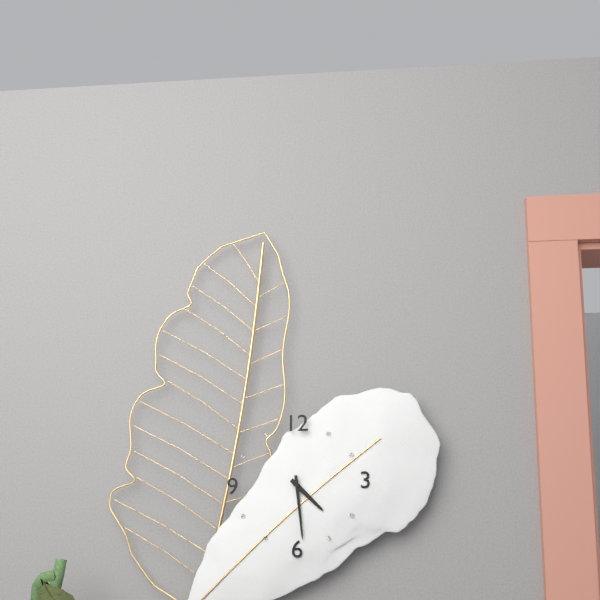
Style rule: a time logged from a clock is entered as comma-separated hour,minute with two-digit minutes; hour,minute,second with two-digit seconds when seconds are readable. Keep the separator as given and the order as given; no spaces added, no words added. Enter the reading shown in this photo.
4,29
